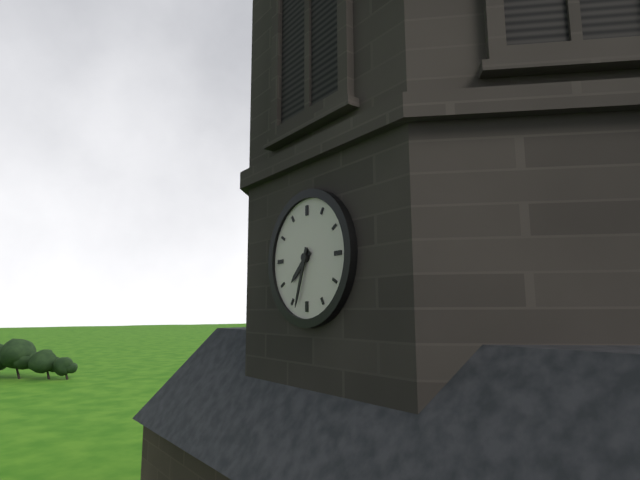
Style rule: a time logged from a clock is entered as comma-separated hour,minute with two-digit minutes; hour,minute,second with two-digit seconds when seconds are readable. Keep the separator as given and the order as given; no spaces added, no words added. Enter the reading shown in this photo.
7,33
